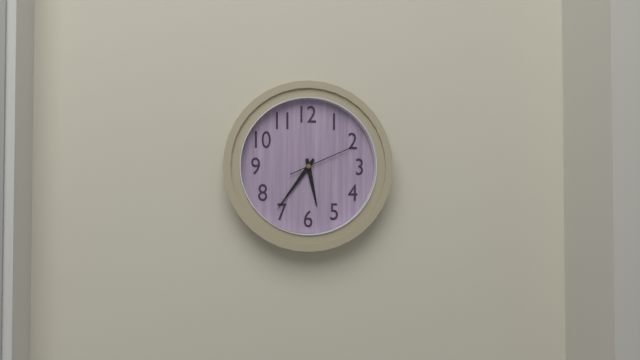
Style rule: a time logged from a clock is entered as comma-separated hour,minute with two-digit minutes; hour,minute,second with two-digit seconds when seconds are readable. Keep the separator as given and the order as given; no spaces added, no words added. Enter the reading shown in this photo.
5,36,11
